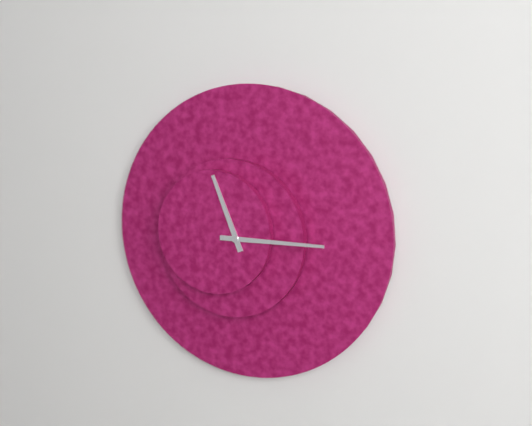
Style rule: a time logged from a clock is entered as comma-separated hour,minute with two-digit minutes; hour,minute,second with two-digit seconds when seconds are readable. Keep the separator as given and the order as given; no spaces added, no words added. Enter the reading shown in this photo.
11,15
